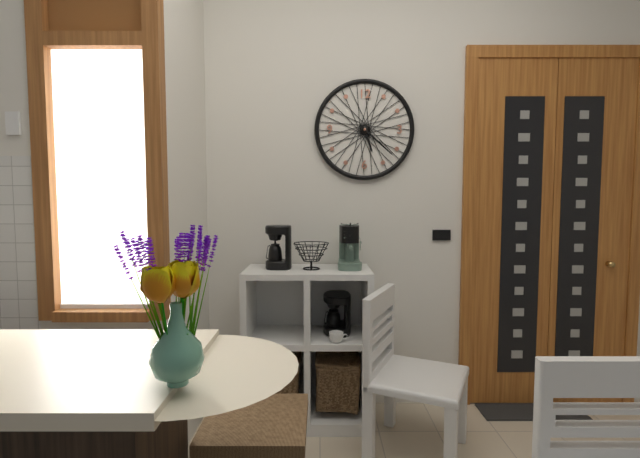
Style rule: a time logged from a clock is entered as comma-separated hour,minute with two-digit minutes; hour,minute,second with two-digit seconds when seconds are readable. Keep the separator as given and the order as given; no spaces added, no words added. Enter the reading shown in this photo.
5,22
